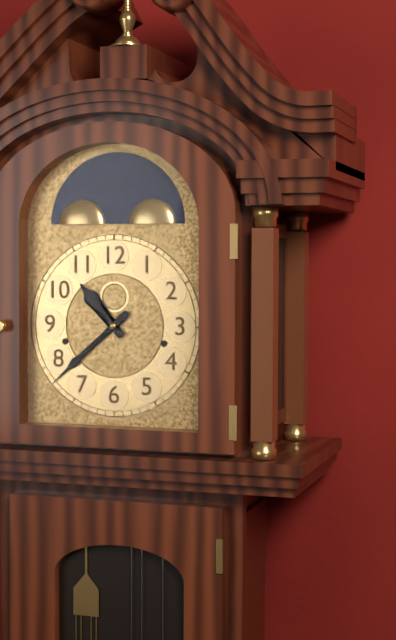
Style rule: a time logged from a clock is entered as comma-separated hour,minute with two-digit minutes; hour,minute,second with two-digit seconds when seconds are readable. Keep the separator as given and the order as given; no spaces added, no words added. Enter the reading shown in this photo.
10,38
